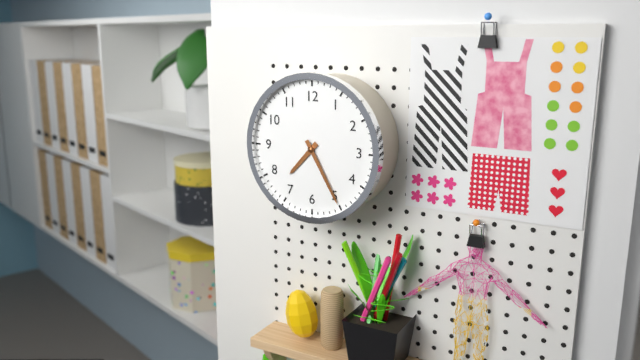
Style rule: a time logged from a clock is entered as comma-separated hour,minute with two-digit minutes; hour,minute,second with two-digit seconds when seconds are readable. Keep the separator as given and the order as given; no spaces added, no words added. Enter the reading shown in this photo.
7,25
